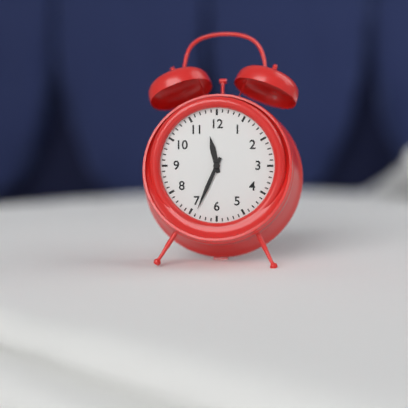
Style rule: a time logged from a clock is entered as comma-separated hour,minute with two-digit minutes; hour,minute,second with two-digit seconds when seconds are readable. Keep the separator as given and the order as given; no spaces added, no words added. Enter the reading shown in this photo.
11,34
